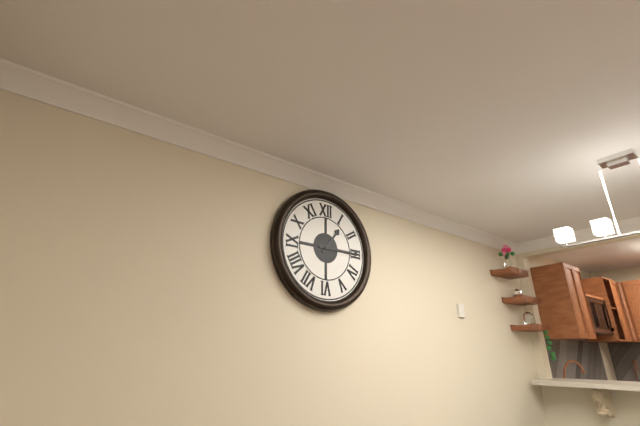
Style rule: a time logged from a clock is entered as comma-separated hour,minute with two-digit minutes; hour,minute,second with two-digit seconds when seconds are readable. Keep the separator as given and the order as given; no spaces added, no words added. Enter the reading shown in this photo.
1,15
